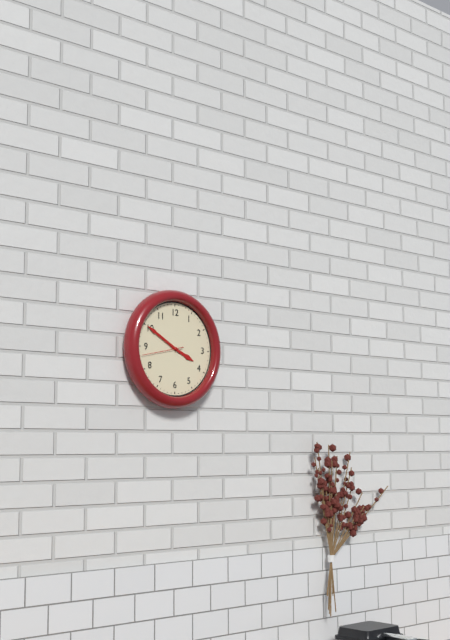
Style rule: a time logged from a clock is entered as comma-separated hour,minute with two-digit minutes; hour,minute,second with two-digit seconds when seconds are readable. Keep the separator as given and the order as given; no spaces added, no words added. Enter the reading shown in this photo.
3,50
